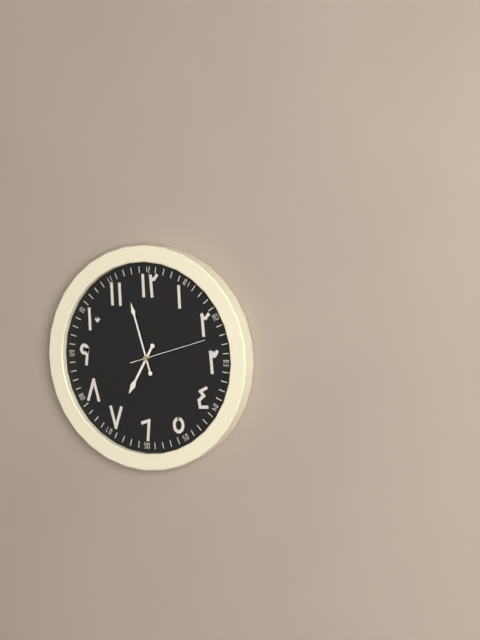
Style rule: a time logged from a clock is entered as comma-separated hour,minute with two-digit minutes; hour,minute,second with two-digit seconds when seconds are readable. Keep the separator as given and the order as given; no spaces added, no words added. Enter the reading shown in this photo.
6,57,12
